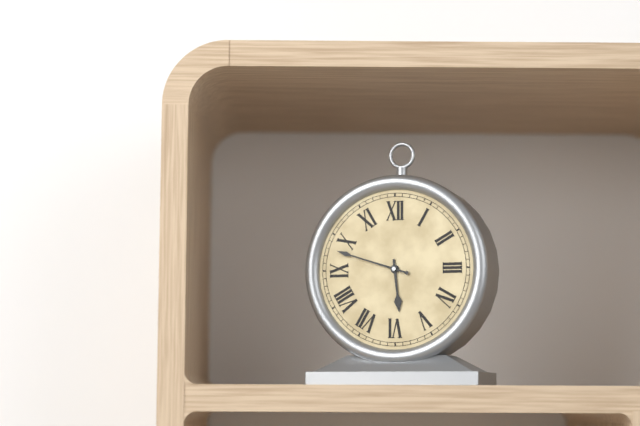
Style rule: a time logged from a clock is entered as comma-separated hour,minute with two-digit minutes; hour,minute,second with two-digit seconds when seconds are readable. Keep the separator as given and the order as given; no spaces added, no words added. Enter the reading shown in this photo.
5,48
